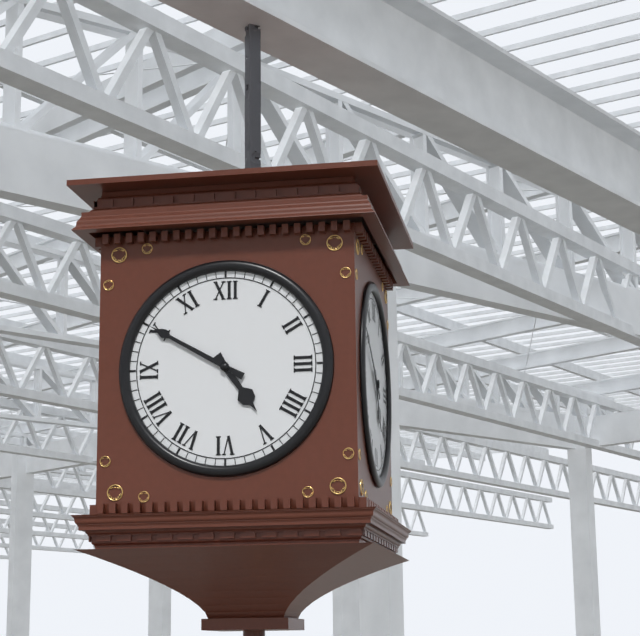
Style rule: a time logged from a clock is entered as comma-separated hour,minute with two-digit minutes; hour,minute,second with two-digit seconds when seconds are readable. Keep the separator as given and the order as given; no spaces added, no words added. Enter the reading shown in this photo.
4,50
